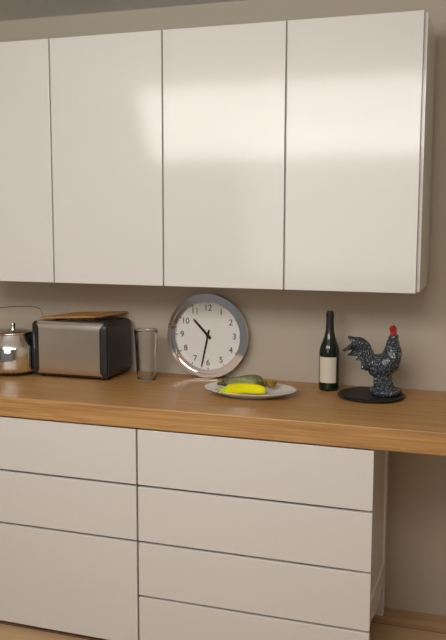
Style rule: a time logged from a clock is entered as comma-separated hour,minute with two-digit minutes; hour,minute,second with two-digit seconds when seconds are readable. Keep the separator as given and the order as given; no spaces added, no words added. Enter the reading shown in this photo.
10,32
